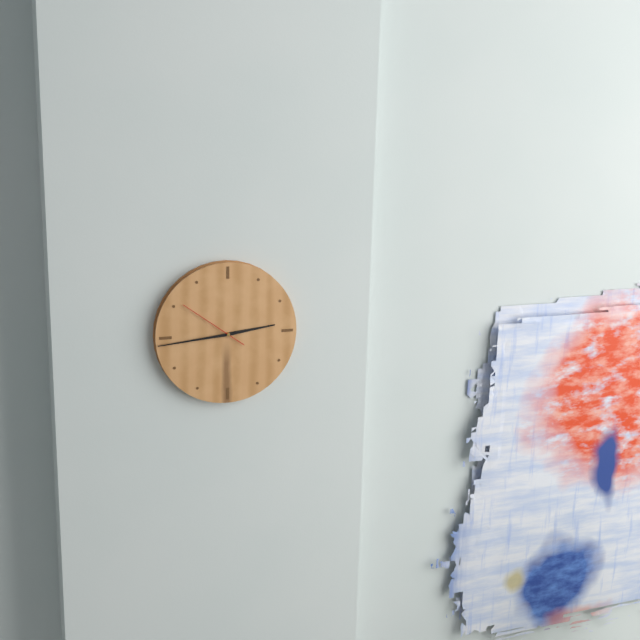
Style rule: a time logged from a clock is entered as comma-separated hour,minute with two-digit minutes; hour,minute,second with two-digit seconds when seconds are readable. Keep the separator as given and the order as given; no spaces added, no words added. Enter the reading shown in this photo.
2,44,51
